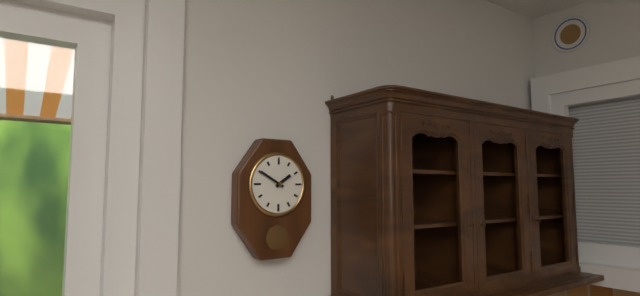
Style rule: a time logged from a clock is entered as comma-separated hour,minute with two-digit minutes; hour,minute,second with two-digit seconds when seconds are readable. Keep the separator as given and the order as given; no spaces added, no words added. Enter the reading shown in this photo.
1,50
